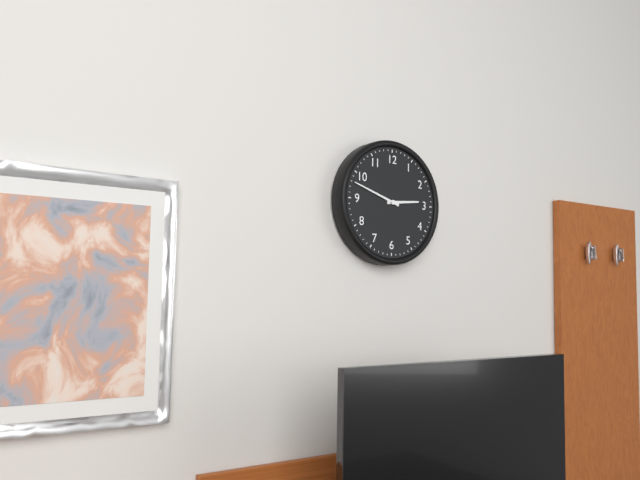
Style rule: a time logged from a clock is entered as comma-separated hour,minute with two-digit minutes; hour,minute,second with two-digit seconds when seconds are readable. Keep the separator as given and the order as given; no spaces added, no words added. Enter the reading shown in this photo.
2,48
